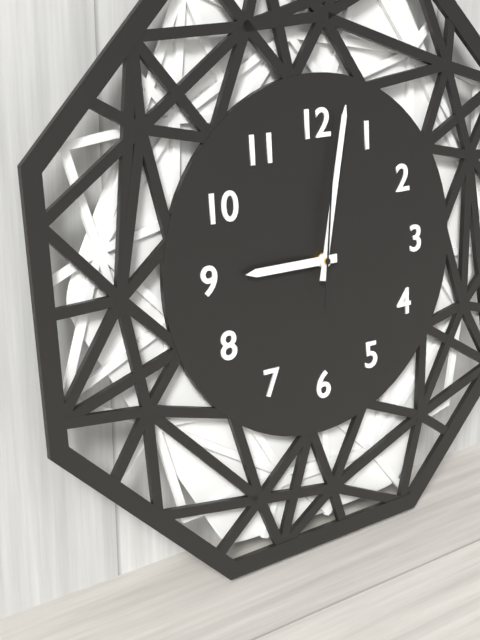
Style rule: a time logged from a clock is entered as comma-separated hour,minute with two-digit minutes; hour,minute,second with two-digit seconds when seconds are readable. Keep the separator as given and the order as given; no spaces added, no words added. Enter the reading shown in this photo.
9,02,01
